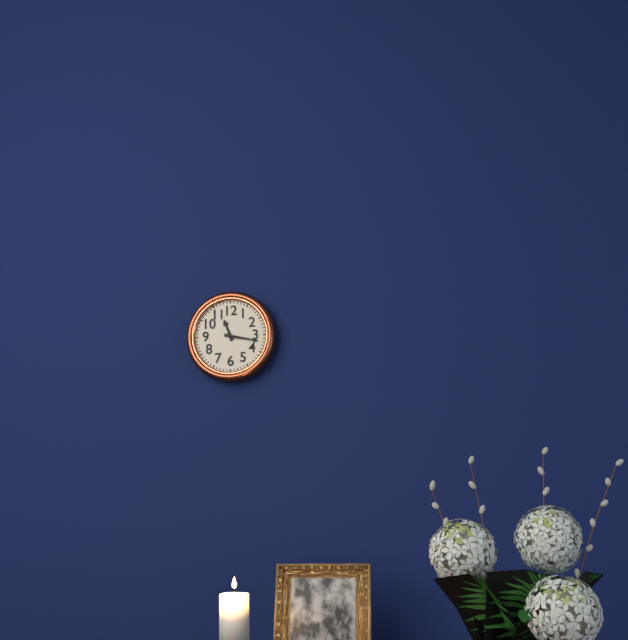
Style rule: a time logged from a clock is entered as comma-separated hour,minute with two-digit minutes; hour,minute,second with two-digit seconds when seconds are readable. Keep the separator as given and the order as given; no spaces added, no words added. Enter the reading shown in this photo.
11,17
